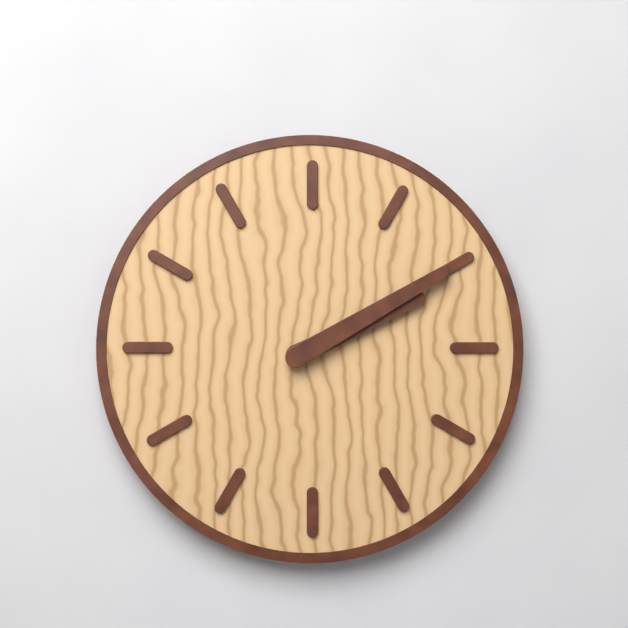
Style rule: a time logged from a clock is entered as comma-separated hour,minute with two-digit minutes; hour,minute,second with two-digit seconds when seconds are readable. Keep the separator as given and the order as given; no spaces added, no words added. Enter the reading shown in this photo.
2,10
